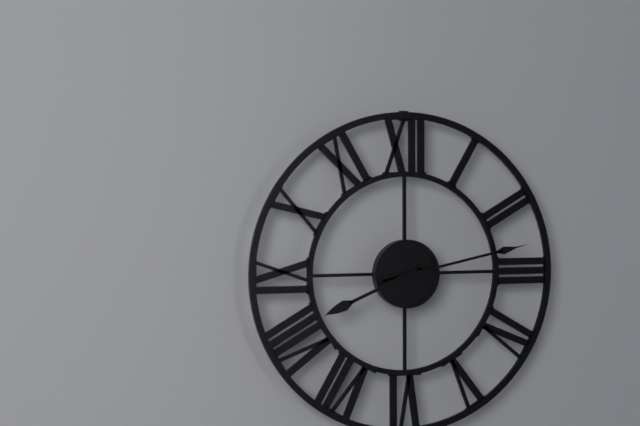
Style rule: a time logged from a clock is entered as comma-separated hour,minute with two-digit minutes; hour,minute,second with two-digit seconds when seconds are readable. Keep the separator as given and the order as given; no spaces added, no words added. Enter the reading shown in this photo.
8,13
